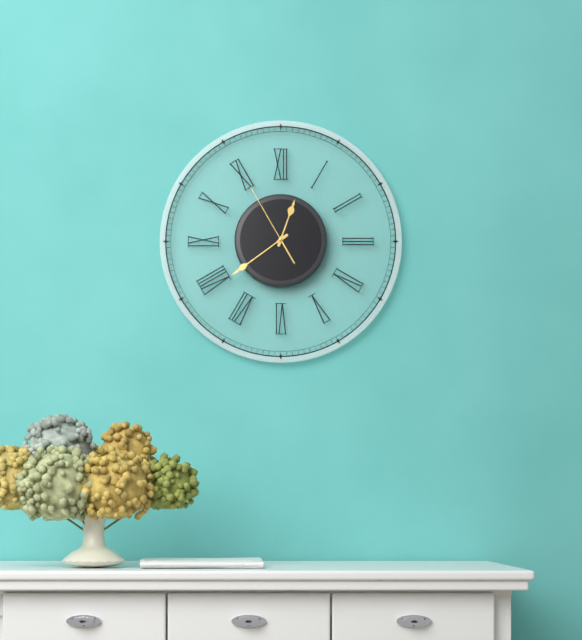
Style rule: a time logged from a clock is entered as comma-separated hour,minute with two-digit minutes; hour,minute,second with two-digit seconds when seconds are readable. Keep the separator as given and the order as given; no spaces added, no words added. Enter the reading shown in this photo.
12,39,55
